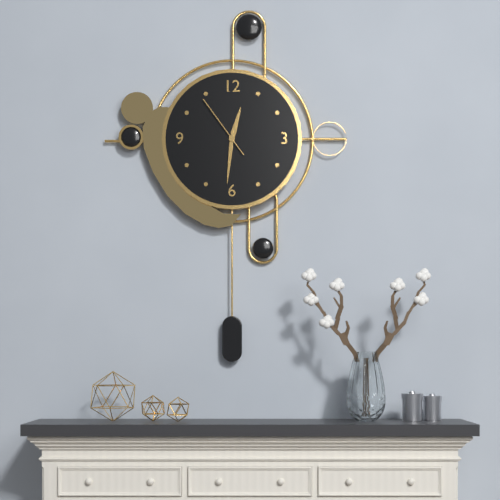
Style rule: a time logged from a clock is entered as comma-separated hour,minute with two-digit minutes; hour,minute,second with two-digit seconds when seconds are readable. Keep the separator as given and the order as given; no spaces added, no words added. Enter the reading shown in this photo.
12,31,54
